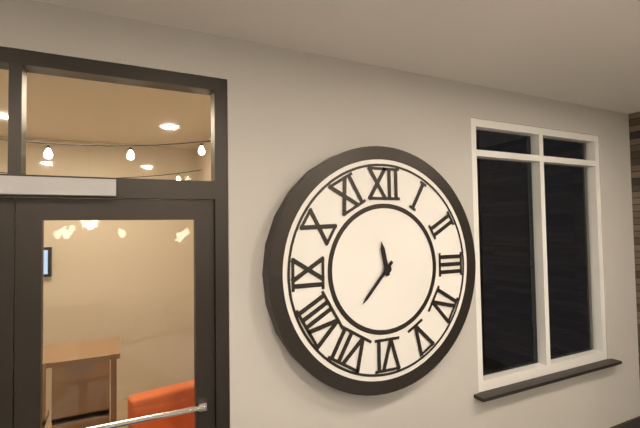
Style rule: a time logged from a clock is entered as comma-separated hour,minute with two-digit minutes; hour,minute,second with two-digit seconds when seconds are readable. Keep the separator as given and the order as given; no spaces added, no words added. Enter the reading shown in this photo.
11,37
